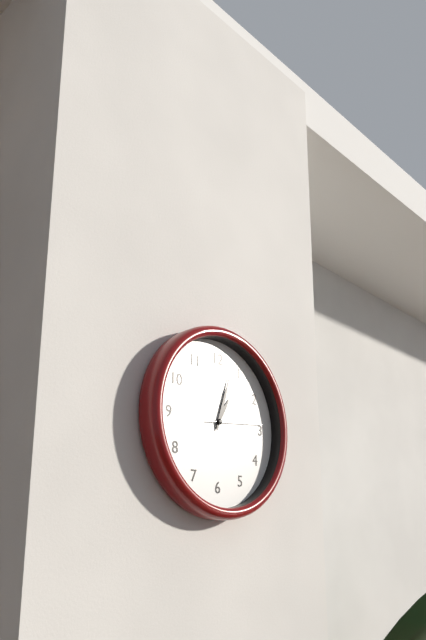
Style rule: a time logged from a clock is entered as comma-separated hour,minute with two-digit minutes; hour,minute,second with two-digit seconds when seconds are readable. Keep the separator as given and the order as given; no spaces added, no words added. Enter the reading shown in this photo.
1,03,14
